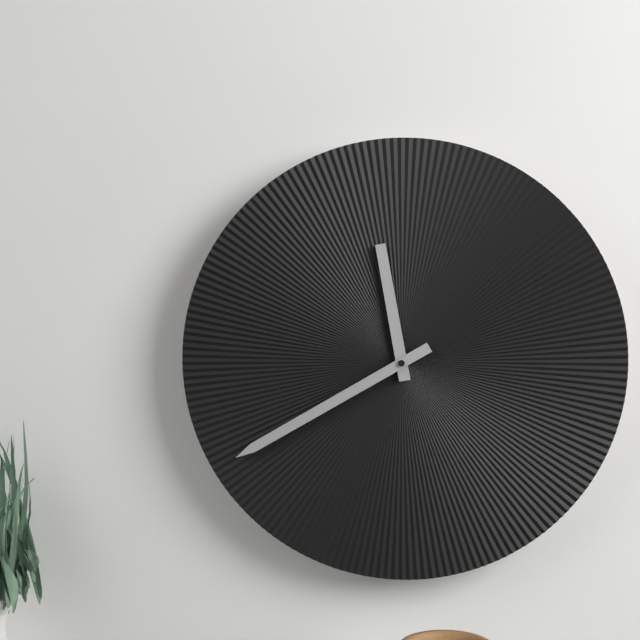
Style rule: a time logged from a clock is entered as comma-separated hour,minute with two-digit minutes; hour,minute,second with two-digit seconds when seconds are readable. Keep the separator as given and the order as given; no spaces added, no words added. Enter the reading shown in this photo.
11,40
